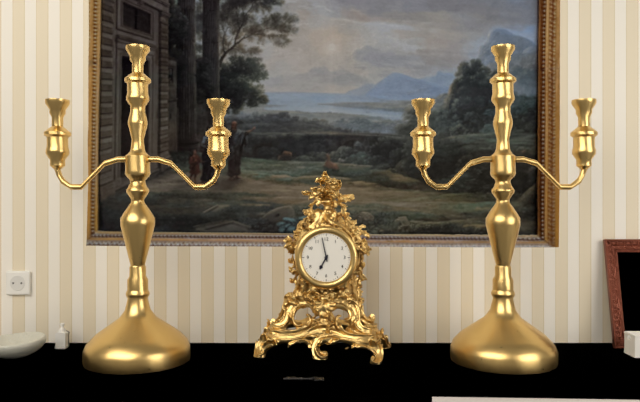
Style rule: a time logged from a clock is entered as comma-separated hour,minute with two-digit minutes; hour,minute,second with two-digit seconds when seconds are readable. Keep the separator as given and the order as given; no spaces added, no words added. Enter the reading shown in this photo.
6,58
